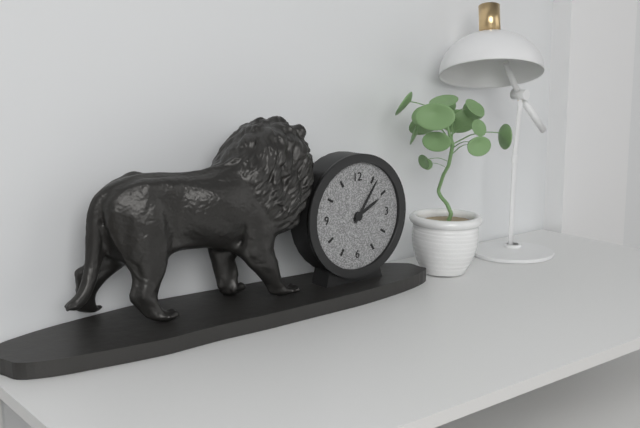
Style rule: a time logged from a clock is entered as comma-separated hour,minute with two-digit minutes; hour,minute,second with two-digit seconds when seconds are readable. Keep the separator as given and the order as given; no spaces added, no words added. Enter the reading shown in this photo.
2,06
